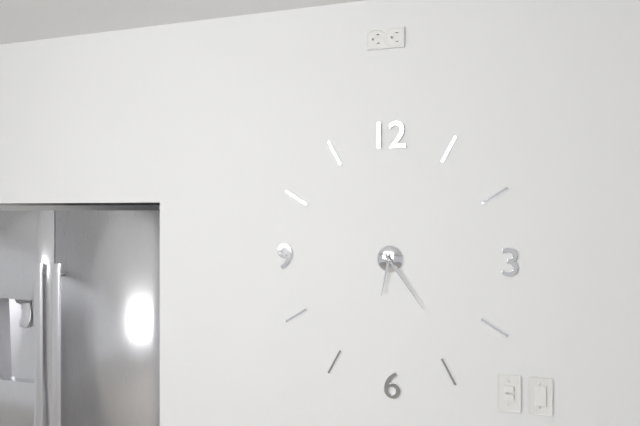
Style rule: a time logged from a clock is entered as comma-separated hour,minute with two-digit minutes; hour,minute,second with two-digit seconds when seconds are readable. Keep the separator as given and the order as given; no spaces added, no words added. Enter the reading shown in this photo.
6,24
